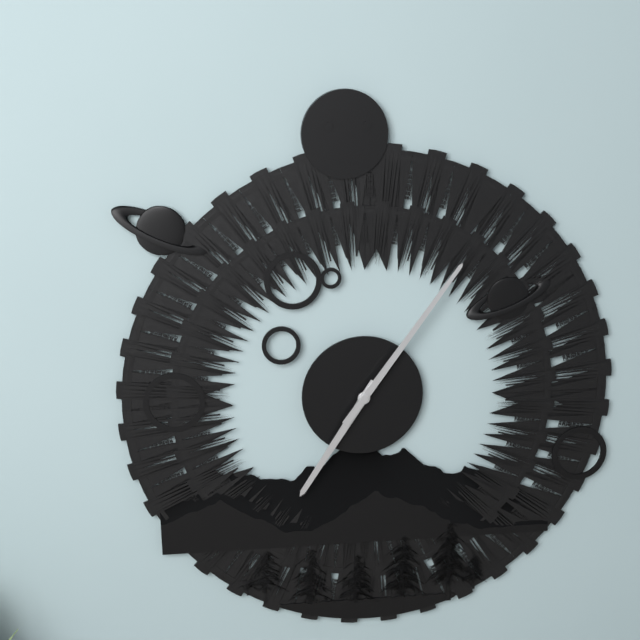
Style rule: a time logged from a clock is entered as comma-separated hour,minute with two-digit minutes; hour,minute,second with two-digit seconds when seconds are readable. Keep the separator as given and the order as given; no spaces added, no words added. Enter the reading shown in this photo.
7,06
